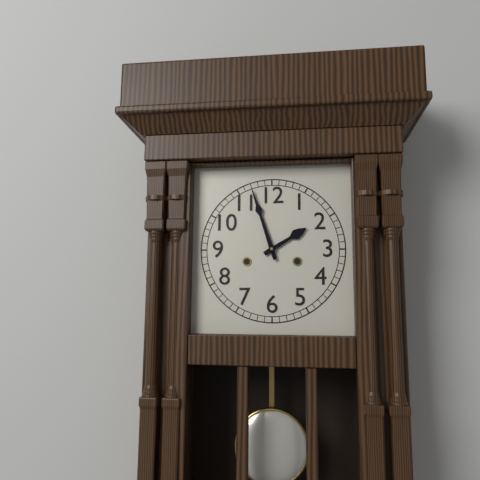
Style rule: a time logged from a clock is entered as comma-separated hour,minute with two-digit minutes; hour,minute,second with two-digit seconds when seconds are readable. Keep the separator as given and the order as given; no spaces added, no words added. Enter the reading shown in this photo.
1,57
